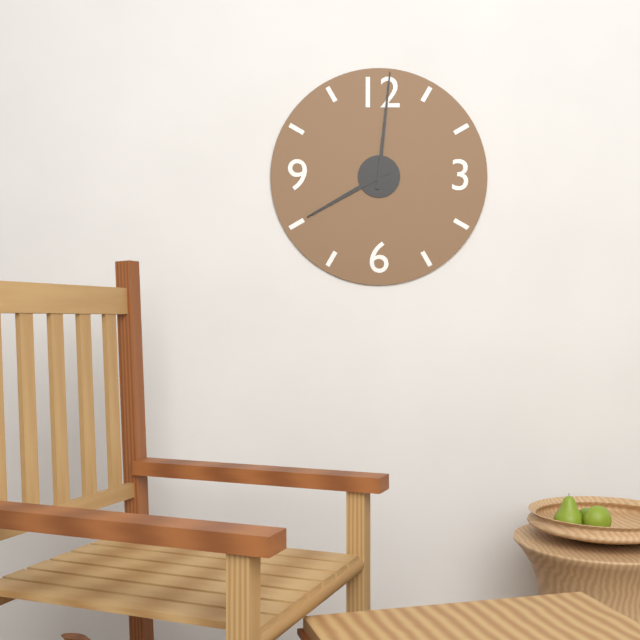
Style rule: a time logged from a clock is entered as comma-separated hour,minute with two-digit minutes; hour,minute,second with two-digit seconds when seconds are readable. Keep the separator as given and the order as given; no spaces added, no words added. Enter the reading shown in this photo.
8,01
